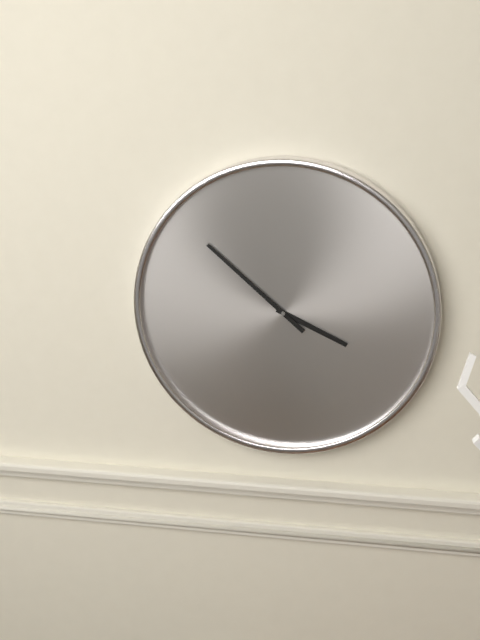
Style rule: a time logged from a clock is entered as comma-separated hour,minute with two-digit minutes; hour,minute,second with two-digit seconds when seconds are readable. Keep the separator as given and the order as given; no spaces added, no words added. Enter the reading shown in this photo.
3,52
